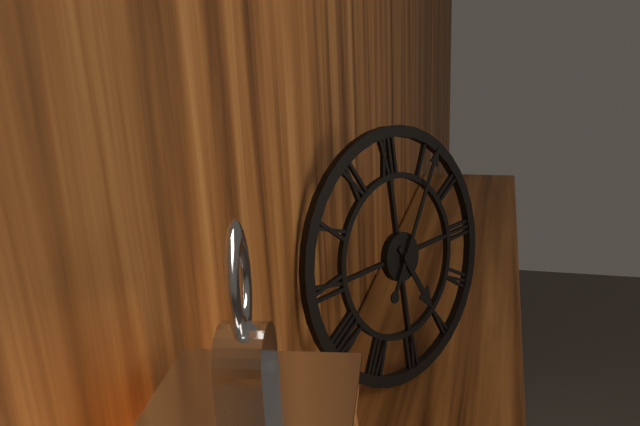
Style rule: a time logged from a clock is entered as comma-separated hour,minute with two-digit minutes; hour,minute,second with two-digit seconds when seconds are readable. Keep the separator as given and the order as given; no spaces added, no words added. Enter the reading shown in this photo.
5,06
